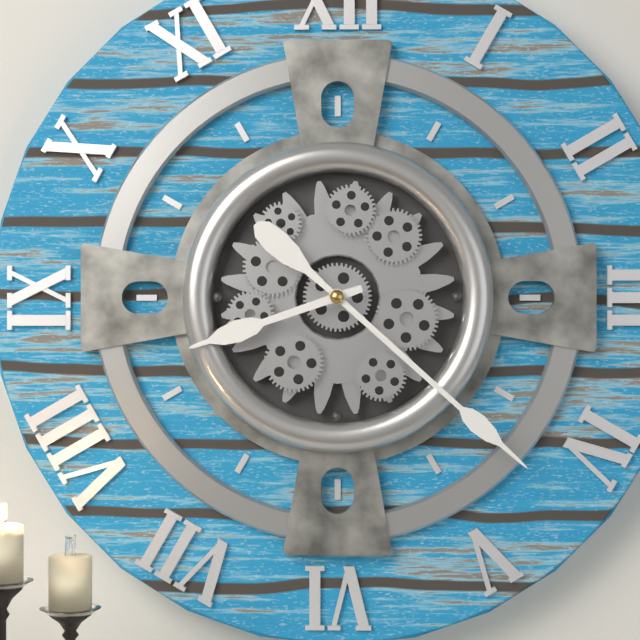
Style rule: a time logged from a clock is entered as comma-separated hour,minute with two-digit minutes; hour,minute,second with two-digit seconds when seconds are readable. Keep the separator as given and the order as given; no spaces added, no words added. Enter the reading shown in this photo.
8,22
